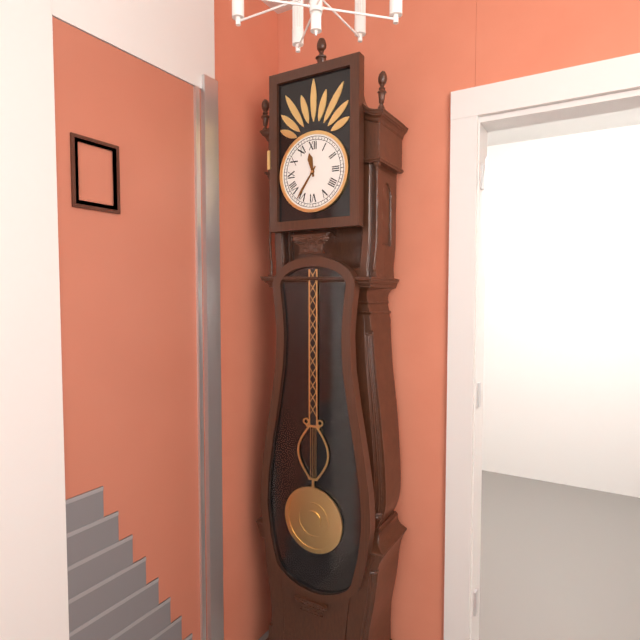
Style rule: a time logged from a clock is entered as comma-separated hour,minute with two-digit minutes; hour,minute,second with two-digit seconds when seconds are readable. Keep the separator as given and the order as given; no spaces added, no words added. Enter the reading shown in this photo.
11,36
